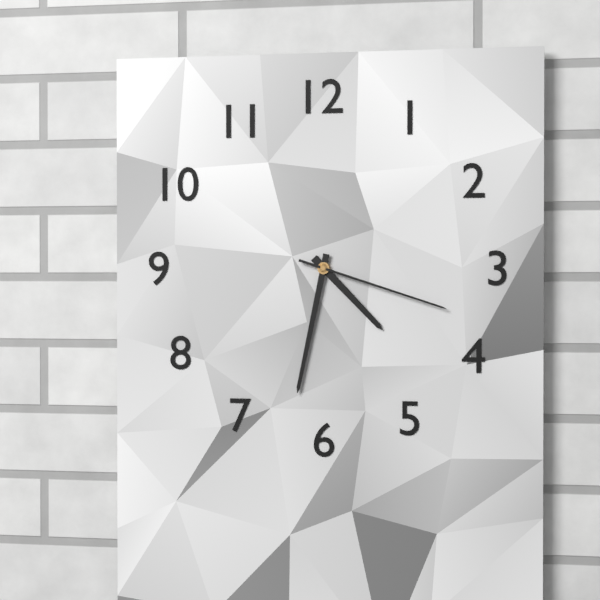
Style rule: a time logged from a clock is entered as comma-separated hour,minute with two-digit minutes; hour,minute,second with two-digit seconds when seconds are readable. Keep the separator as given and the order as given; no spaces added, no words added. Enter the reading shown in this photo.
4,32,18
